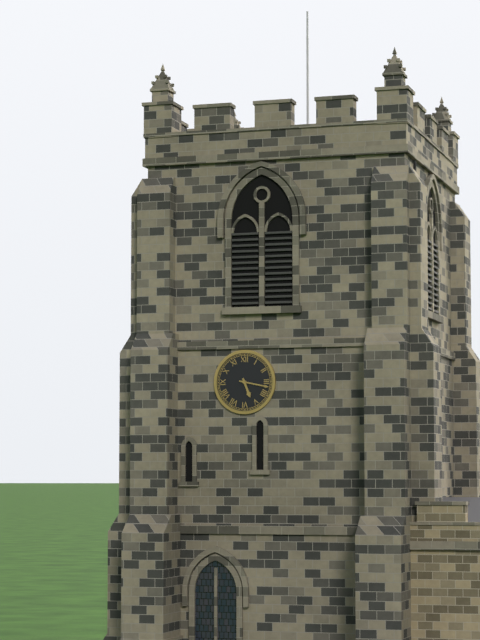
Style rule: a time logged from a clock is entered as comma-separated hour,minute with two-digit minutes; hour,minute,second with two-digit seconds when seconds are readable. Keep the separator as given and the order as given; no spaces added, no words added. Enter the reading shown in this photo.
5,17
